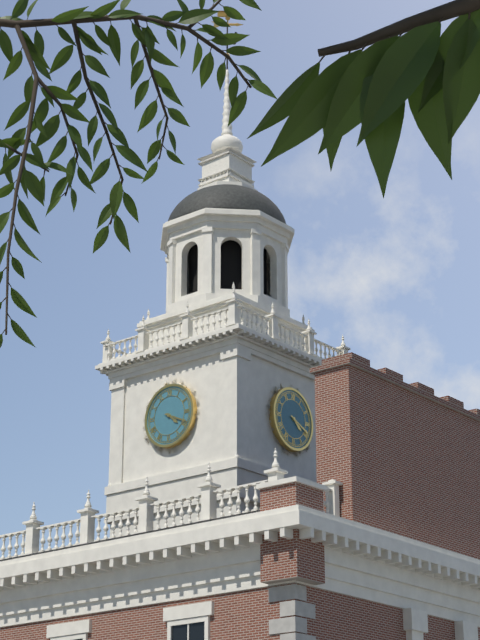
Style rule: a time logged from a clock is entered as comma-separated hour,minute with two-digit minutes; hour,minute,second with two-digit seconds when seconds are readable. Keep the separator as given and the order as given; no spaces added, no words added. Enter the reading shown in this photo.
4,19
